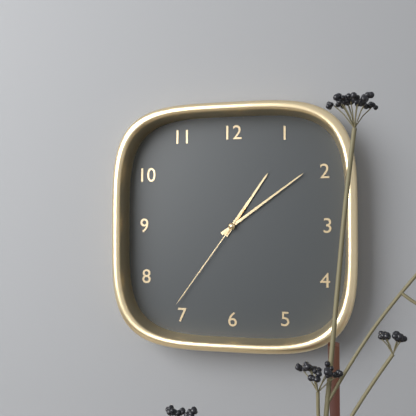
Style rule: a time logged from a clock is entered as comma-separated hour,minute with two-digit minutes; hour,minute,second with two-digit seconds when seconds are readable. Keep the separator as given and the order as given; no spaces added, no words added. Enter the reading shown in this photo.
1,09,36
